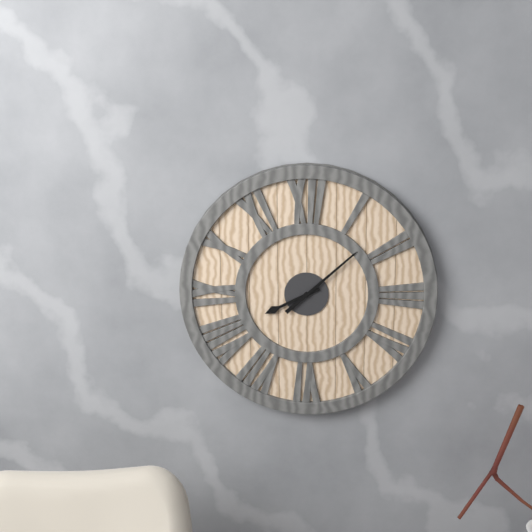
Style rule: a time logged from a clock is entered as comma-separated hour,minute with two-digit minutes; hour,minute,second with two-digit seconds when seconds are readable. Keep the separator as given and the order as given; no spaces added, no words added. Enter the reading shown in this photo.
8,08
